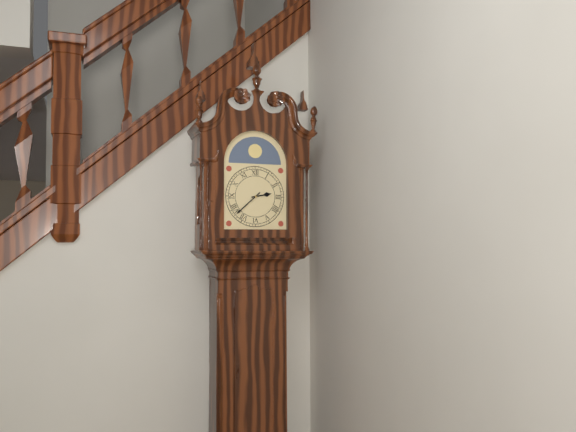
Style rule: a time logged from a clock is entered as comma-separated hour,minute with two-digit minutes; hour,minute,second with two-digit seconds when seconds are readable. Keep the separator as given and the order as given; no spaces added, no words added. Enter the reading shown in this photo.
2,38
